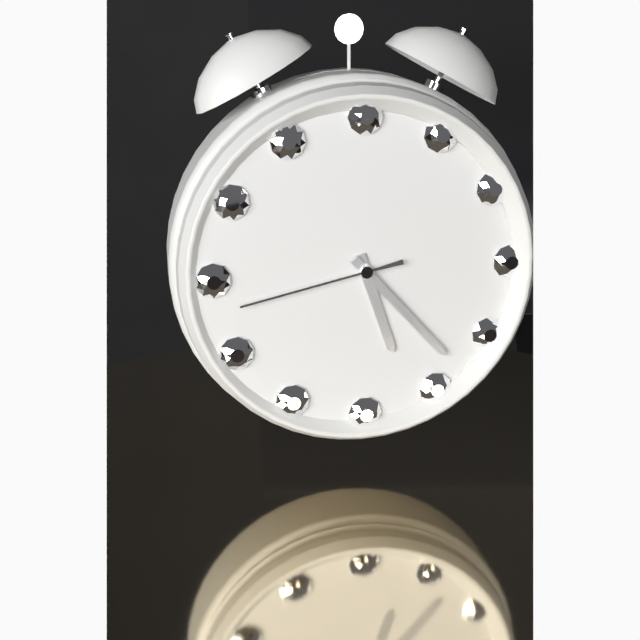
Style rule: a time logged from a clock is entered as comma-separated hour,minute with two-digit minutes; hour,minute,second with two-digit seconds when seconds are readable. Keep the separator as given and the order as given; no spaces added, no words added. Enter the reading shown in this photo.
5,23,43
